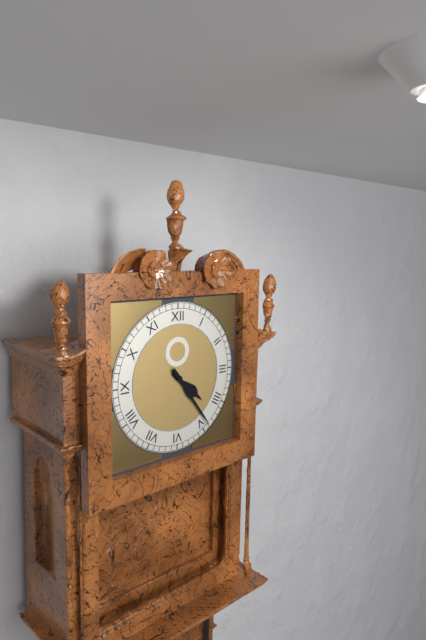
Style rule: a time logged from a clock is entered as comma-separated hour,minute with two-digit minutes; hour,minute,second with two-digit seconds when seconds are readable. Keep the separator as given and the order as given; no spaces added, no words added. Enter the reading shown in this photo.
4,24
